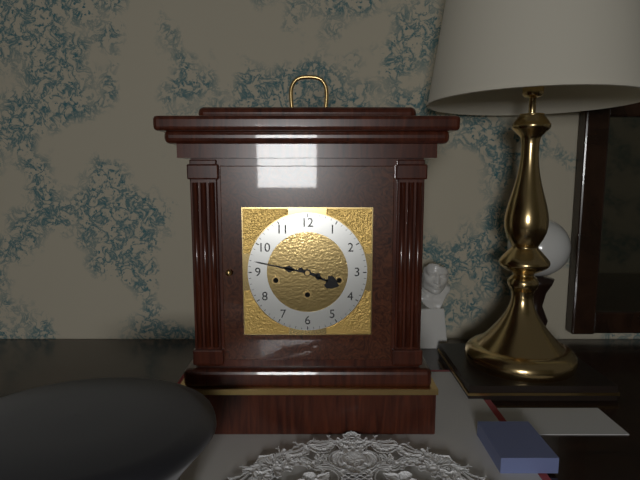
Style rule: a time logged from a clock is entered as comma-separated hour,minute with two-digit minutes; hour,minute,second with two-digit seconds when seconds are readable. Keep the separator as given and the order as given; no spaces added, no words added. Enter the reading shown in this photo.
3,47
